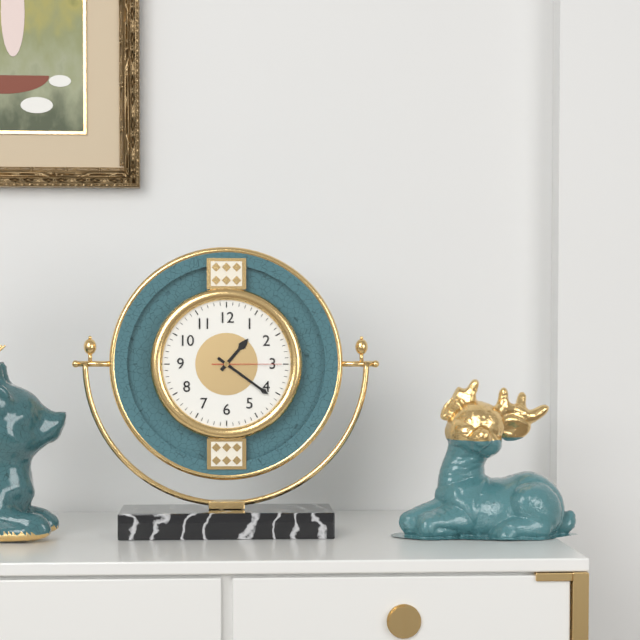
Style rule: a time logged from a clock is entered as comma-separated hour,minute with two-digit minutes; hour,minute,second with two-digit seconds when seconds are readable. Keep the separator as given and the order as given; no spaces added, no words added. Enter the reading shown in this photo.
1,21,15
